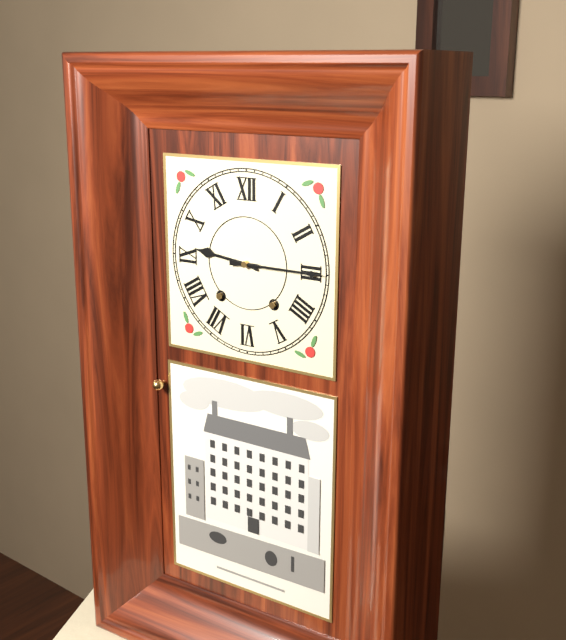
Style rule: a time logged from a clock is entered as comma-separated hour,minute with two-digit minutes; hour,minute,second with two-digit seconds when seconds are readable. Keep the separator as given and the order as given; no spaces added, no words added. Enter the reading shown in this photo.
9,15
